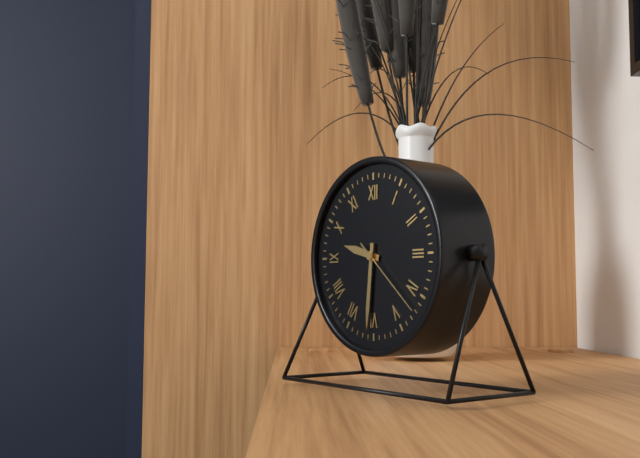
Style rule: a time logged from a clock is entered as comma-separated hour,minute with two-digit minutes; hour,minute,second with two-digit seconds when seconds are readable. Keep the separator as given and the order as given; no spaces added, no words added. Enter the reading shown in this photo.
9,31,22
